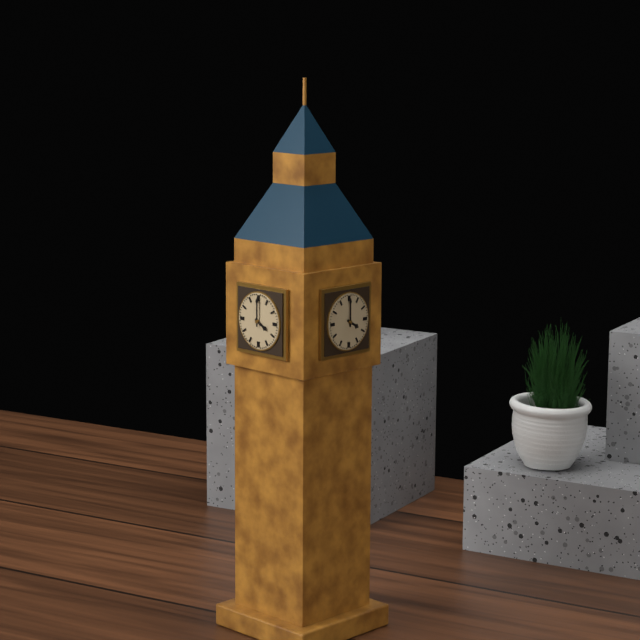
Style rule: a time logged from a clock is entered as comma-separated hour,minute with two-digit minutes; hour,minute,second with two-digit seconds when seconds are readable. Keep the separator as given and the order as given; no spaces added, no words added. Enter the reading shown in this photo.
4,00
